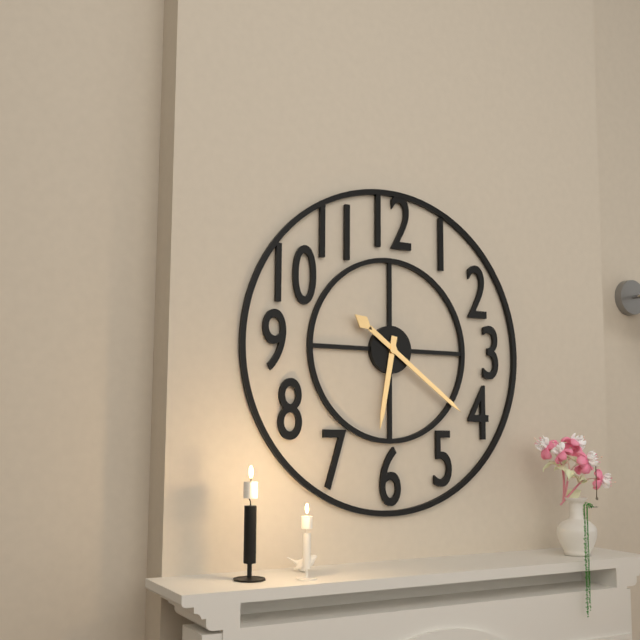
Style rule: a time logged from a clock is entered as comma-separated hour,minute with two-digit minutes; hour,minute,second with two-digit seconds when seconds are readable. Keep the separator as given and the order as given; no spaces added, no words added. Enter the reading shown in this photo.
6,21
